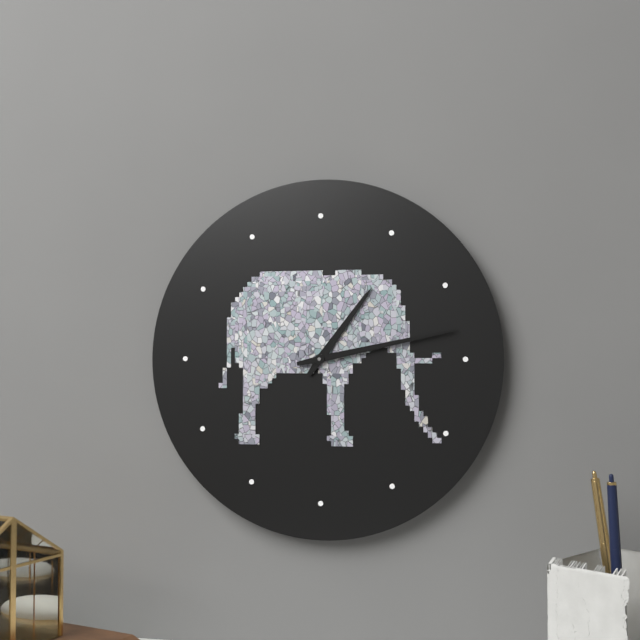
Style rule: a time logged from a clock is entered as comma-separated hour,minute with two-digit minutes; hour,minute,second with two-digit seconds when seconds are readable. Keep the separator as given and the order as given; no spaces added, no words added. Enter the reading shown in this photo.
1,13
